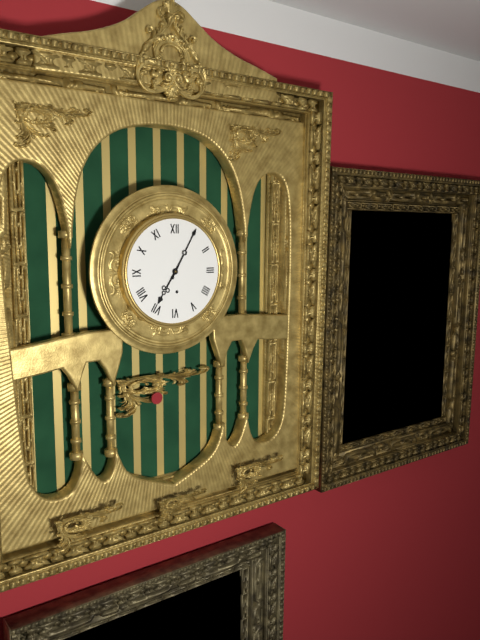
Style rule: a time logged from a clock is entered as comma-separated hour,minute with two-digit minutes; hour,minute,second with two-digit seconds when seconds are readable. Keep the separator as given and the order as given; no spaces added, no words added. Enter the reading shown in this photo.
7,05
